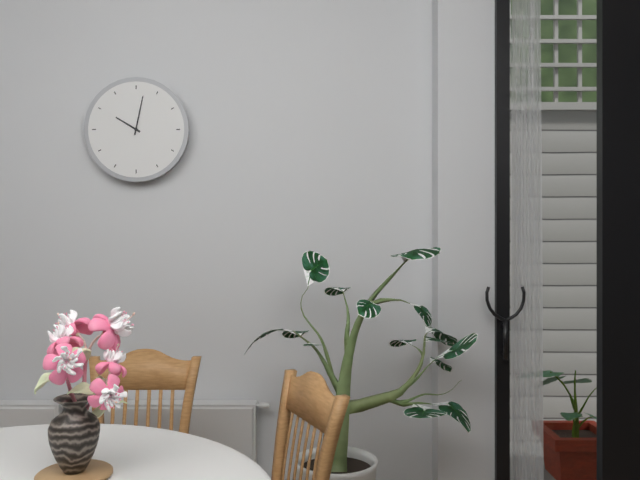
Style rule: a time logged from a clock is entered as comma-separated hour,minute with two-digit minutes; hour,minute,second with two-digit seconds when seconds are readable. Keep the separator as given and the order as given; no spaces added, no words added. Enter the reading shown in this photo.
10,02
